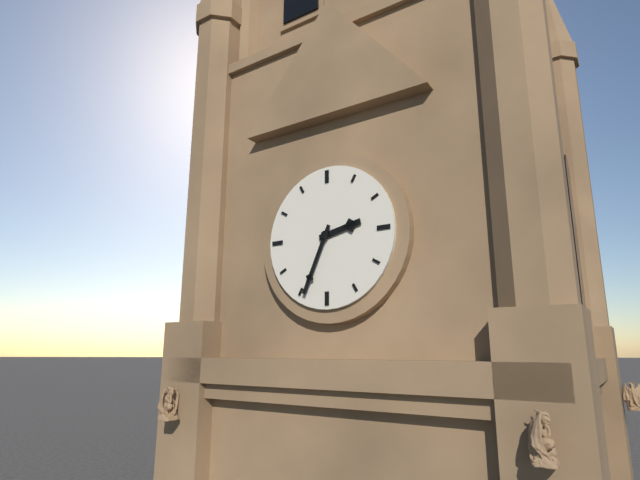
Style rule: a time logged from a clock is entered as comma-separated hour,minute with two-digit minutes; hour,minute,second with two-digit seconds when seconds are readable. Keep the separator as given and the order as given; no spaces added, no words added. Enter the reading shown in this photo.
2,34
